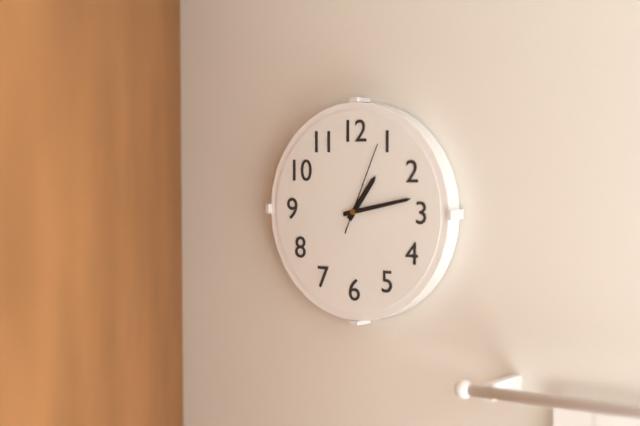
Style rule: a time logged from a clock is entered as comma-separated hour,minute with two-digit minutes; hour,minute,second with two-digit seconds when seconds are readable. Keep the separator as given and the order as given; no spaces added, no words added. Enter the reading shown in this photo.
1,13,04
